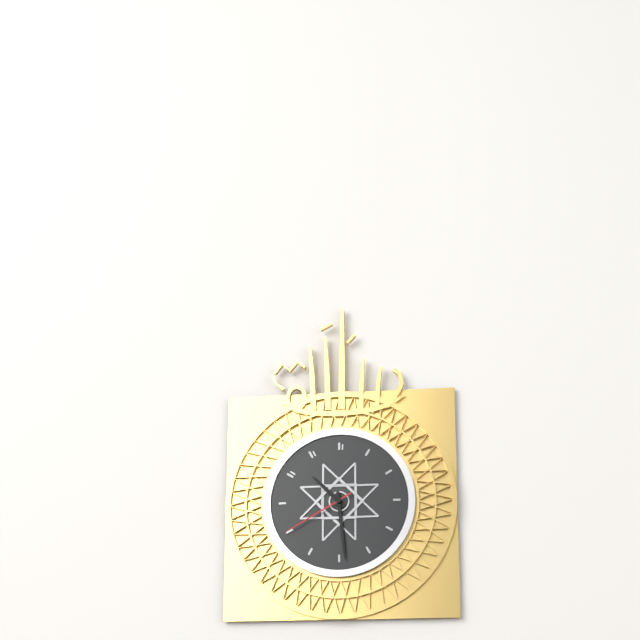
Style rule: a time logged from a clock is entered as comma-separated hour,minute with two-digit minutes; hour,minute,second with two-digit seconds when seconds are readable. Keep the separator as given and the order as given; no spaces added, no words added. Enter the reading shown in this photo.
10,29,40
